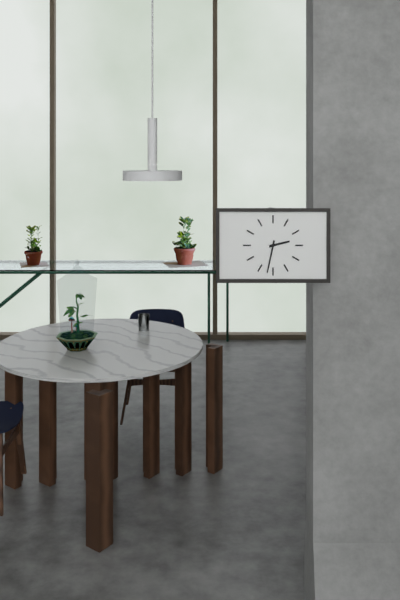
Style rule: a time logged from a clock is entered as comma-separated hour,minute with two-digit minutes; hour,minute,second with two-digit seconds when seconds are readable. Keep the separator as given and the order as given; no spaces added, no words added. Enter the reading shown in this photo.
2,32
